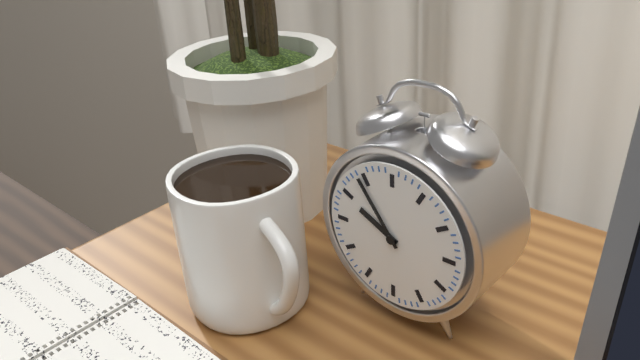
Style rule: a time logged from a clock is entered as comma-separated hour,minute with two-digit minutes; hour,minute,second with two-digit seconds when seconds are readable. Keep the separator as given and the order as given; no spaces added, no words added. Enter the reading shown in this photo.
9,54
